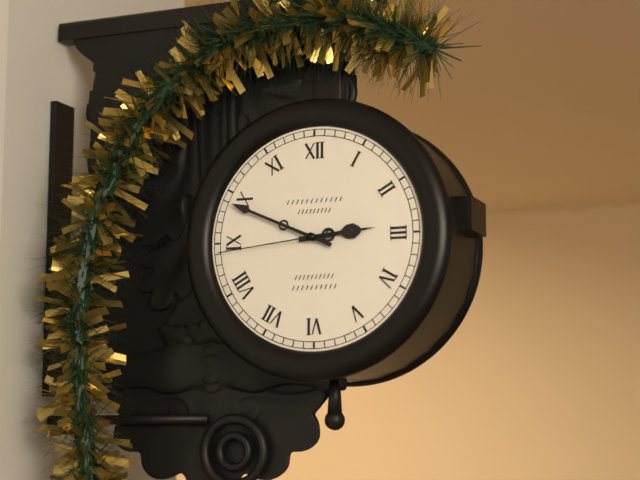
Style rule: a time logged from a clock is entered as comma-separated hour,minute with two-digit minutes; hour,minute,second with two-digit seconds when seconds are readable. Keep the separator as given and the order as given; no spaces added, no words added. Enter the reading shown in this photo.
2,49,44
